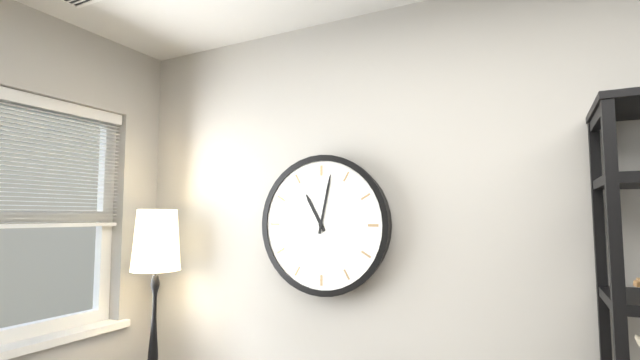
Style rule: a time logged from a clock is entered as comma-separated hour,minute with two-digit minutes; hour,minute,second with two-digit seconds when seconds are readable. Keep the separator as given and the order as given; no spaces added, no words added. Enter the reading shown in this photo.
11,02
